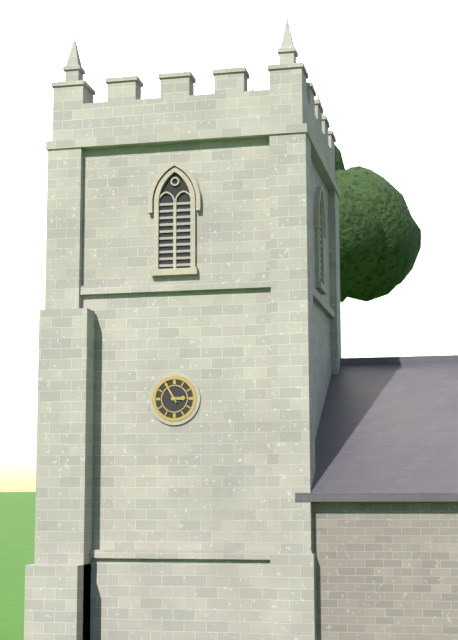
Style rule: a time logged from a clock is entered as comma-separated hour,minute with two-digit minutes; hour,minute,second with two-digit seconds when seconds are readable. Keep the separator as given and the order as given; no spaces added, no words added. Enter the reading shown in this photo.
2,55
